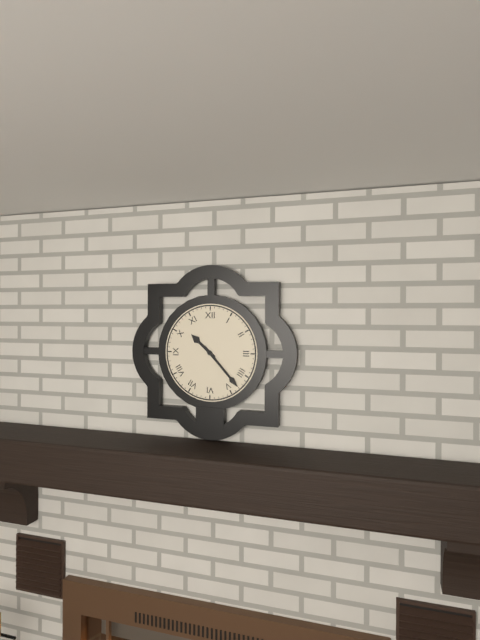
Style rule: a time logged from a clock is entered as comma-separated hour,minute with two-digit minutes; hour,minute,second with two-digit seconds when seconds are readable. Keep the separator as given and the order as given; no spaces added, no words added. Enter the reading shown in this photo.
10,23
